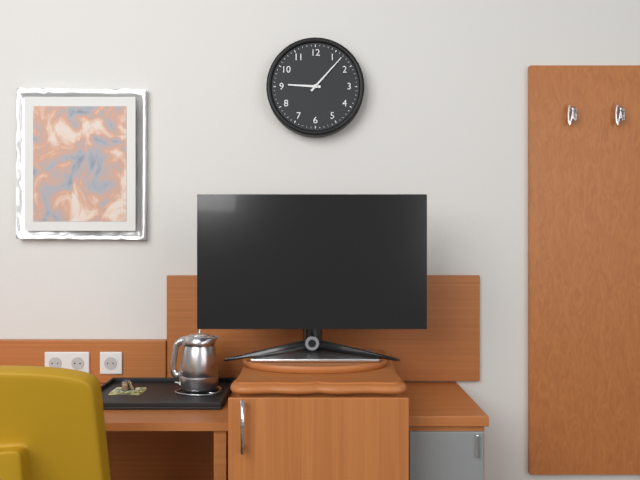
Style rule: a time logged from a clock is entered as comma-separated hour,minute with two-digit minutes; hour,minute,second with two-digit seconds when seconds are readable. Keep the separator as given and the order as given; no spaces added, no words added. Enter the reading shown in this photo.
9,07
